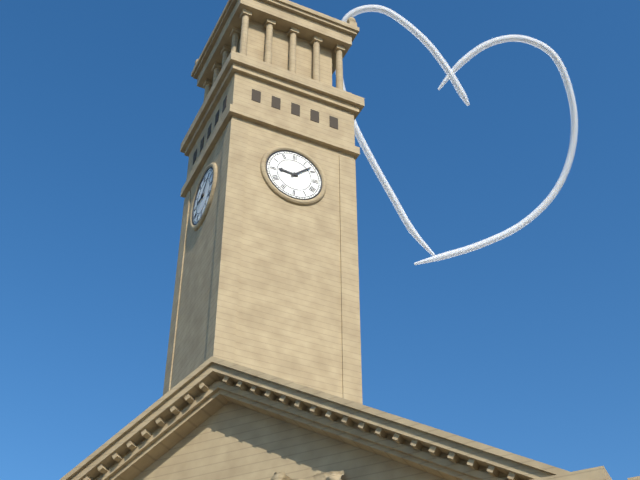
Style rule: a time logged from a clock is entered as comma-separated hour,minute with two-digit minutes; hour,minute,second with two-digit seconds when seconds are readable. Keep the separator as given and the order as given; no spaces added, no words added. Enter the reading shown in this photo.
9,08
